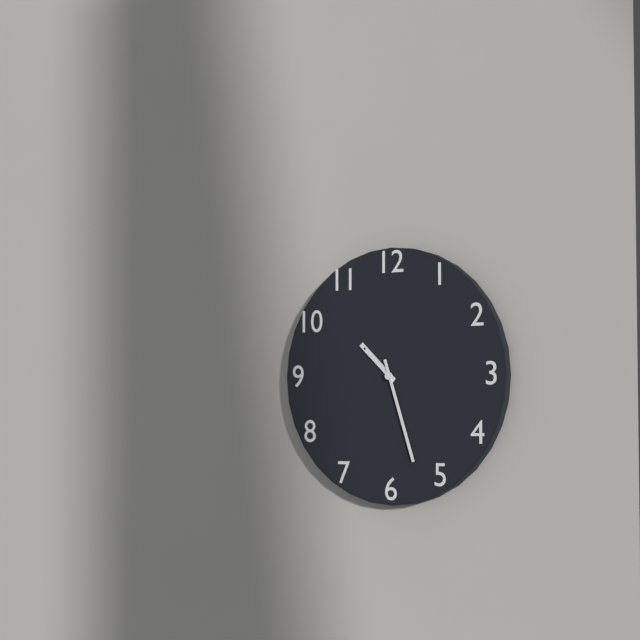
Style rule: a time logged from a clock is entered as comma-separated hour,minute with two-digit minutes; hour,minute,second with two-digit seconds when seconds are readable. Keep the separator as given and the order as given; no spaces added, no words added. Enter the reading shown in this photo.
10,27
